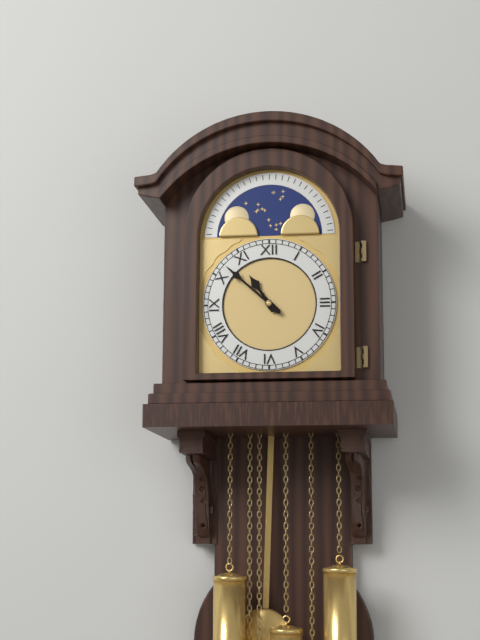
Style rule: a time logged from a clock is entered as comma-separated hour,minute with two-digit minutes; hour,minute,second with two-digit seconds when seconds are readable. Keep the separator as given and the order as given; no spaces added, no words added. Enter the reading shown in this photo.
10,52
